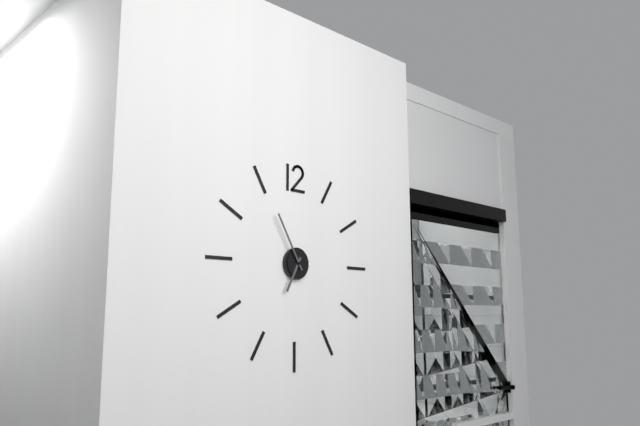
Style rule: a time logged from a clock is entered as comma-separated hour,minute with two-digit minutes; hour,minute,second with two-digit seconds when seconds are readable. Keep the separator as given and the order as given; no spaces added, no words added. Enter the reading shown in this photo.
6,55
